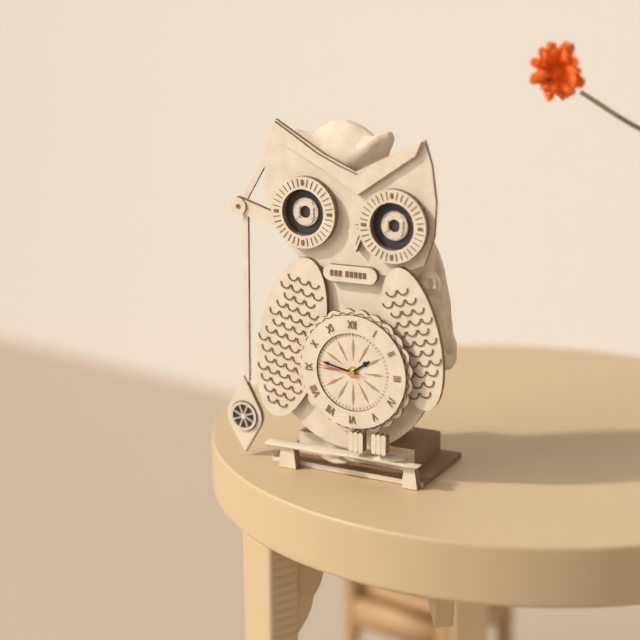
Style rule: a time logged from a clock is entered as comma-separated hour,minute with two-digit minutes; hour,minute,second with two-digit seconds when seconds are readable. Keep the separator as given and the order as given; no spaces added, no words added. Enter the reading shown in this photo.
1,47
